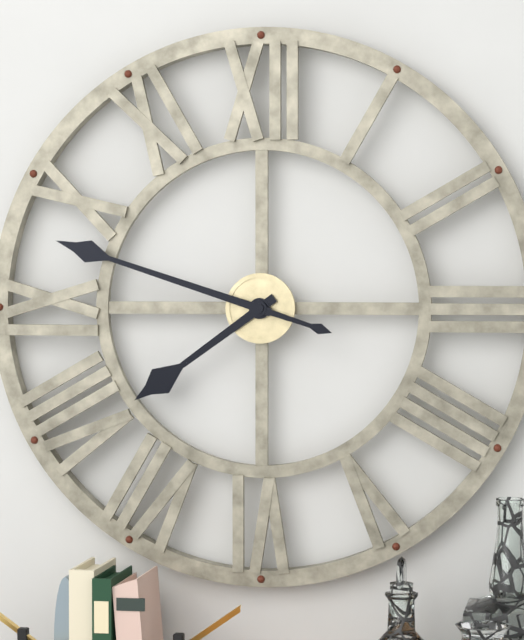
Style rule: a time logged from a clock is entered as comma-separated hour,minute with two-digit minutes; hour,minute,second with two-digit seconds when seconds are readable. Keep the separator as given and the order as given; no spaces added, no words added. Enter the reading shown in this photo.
7,48
